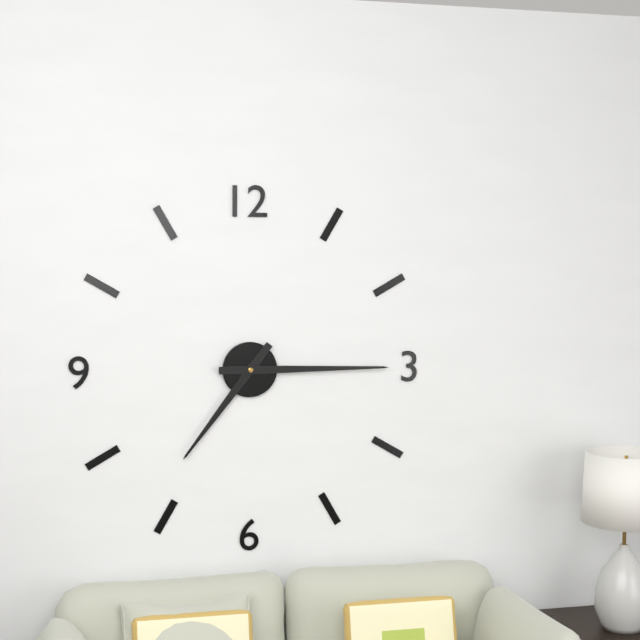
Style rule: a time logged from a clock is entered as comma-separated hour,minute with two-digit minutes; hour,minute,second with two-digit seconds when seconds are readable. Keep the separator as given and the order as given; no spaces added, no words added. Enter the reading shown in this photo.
7,15
